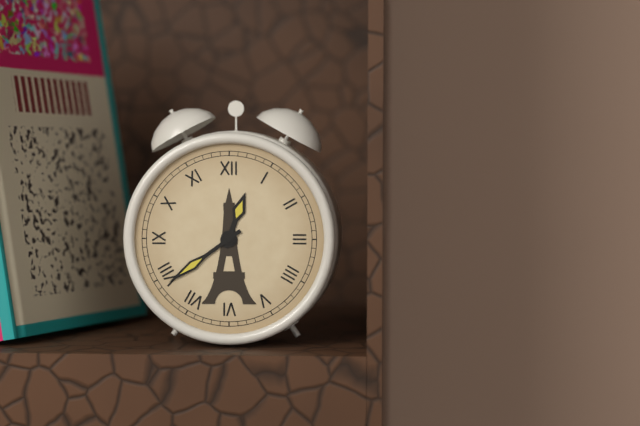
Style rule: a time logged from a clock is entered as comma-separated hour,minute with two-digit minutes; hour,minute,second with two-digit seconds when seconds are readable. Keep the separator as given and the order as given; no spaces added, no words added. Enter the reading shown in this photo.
12,39
